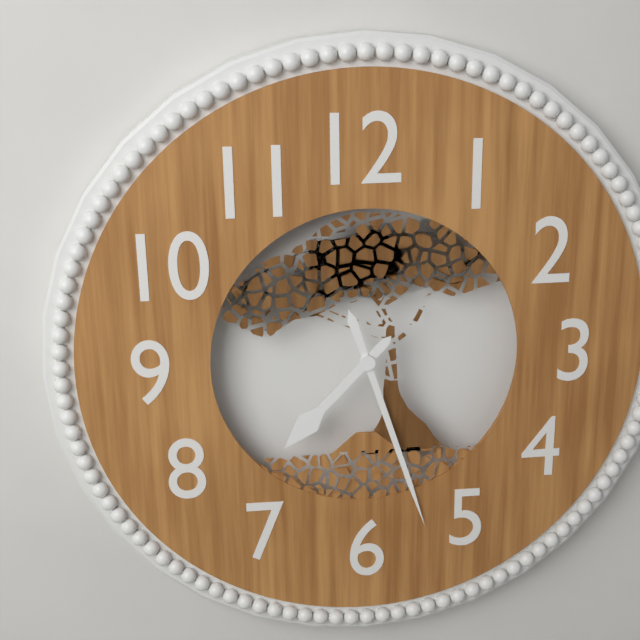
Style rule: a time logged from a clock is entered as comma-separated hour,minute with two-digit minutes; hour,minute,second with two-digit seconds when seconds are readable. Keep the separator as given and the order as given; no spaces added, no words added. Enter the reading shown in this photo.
7,27
